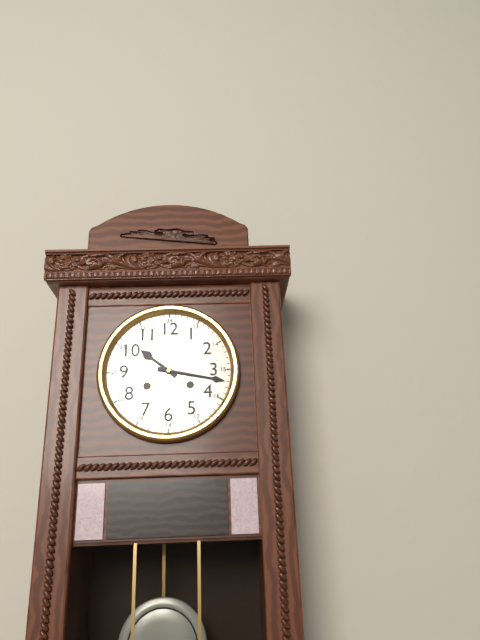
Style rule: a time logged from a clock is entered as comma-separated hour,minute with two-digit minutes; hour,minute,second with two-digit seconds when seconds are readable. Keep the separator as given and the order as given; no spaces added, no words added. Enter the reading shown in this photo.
10,17
